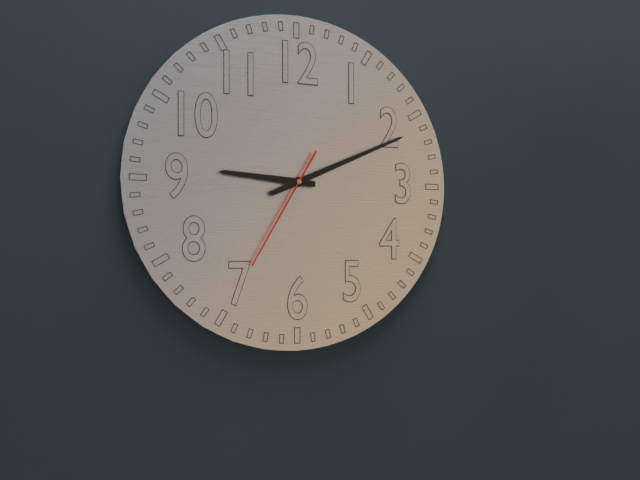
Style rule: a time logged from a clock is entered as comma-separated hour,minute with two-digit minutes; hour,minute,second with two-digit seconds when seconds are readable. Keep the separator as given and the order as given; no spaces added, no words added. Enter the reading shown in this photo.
9,11,35
